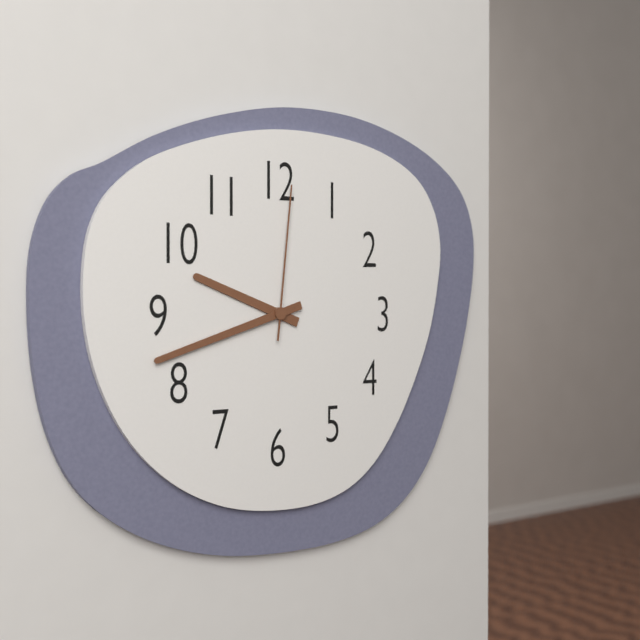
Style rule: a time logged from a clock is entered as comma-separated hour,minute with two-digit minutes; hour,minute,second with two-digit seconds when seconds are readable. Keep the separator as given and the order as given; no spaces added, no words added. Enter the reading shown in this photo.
9,42,01
